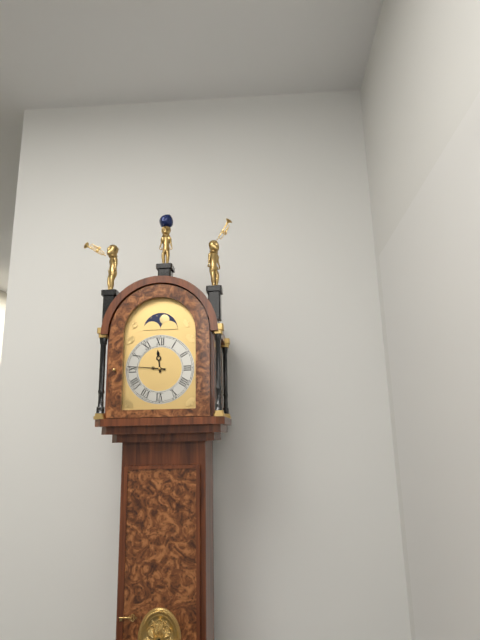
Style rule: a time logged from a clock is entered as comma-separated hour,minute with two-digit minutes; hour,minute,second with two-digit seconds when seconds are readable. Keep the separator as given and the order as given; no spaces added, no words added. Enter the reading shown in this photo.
11,46
